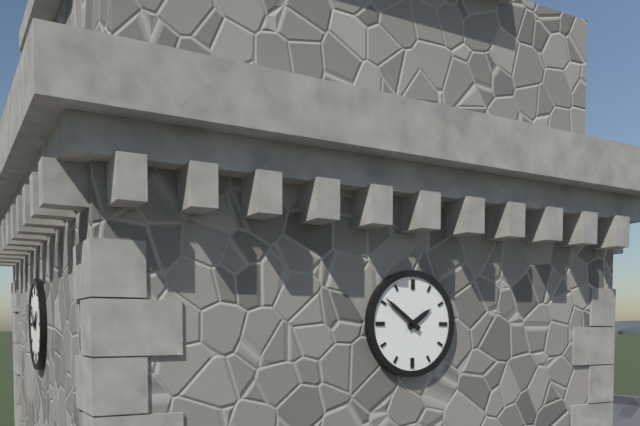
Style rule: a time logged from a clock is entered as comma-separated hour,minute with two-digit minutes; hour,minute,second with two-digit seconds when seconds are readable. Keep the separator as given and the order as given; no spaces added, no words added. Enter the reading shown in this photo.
1,51
